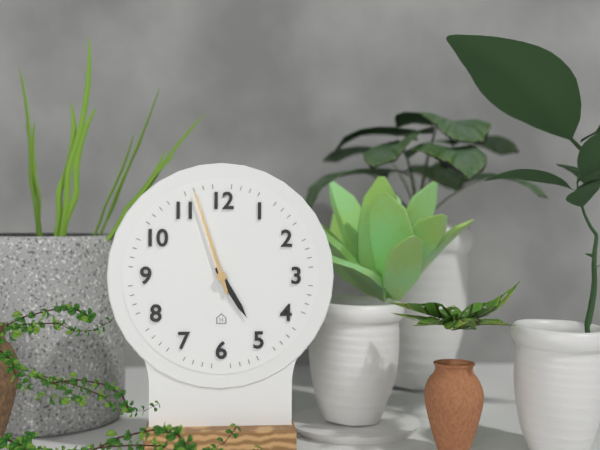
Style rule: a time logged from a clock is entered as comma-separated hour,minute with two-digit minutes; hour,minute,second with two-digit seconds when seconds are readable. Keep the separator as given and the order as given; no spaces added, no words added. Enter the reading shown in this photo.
4,57
